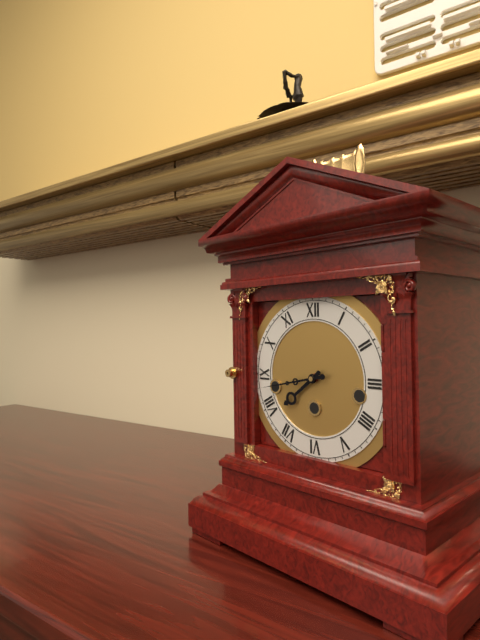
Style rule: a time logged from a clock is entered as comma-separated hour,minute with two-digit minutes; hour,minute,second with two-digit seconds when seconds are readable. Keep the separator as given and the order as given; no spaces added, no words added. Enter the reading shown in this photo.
7,43
